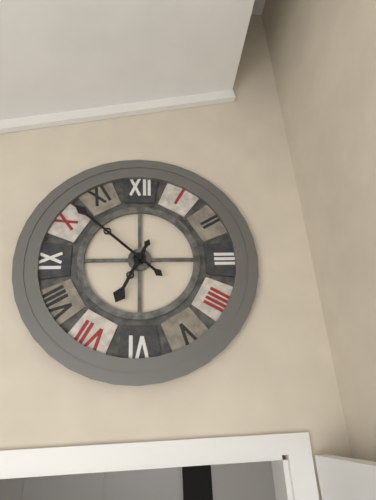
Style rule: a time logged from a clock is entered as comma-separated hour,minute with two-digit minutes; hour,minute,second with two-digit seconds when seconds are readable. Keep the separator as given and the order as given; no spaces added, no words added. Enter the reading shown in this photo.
6,52
